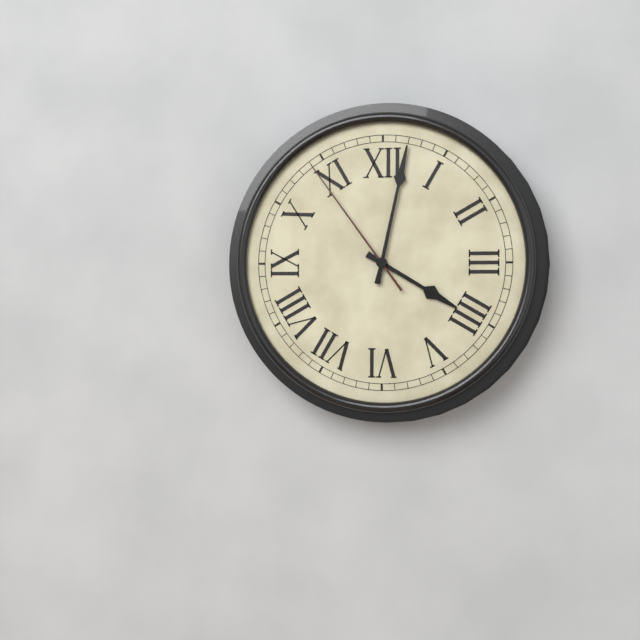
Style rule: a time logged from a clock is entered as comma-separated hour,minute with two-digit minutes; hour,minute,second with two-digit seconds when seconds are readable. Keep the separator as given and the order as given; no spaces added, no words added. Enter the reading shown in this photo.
4,02,54
